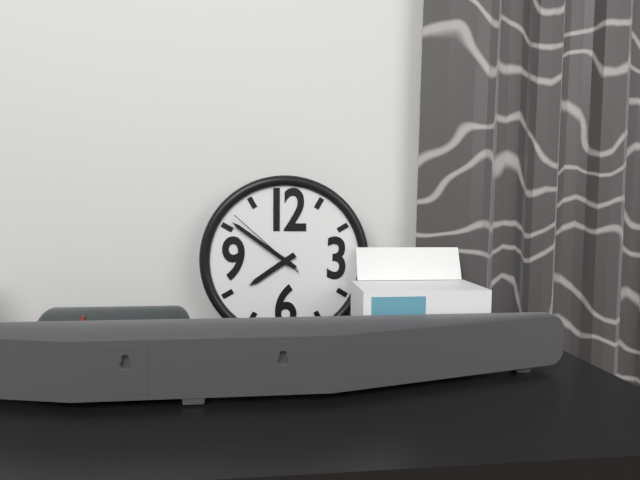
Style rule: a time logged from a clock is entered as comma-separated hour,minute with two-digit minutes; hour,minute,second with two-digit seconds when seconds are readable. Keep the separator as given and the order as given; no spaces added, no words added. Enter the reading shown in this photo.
7,51,52
